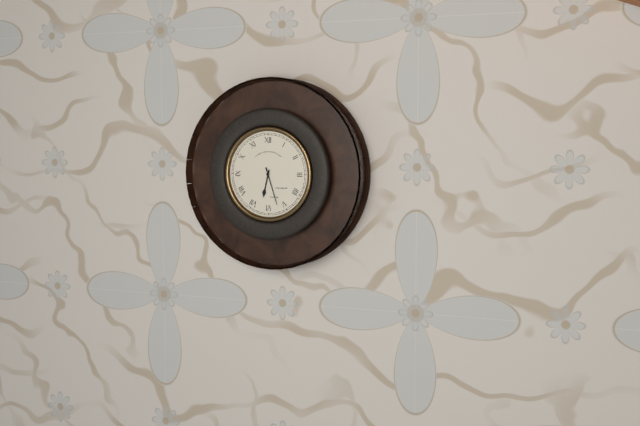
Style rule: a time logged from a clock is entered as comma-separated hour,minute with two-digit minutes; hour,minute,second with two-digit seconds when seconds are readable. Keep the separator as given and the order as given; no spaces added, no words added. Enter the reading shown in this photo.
6,27
